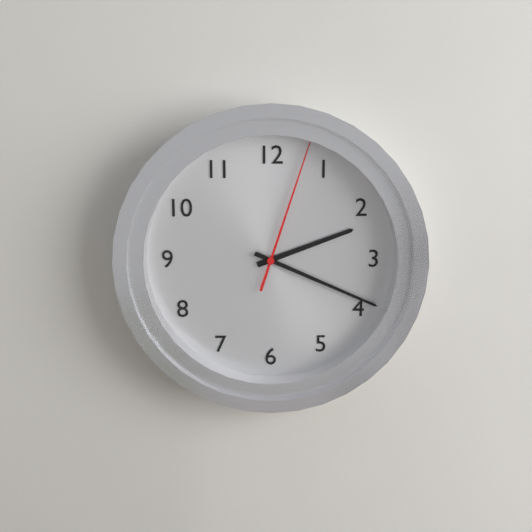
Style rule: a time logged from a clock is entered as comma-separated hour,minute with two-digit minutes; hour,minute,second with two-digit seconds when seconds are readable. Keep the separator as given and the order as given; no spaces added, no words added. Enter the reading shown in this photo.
2,19,03
